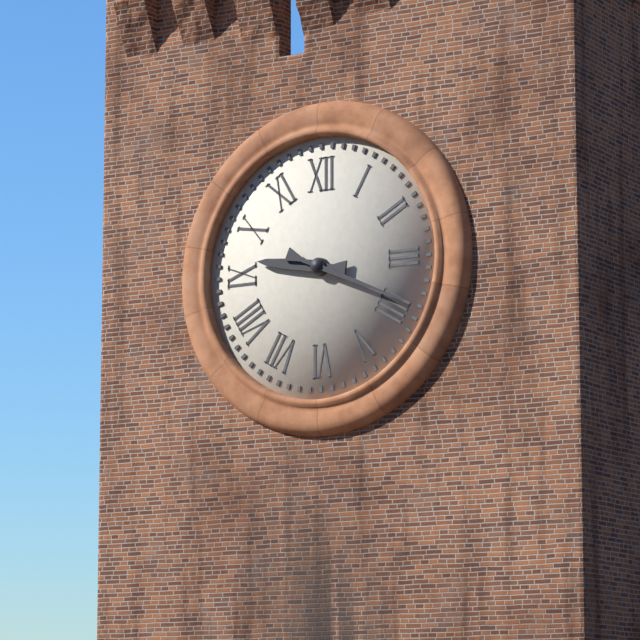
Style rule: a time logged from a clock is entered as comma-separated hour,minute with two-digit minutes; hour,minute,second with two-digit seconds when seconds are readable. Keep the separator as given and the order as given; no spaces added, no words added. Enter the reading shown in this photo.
9,19
